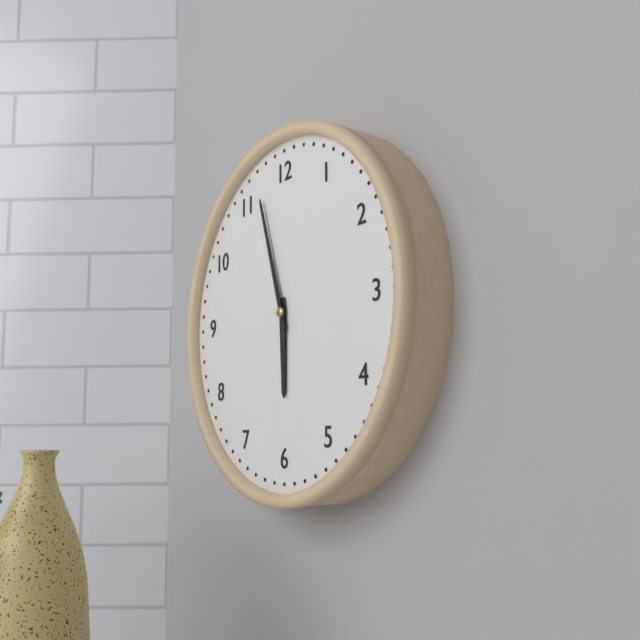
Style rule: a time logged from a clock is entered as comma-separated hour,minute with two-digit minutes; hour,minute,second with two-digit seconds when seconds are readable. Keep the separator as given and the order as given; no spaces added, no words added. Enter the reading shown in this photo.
5,57
